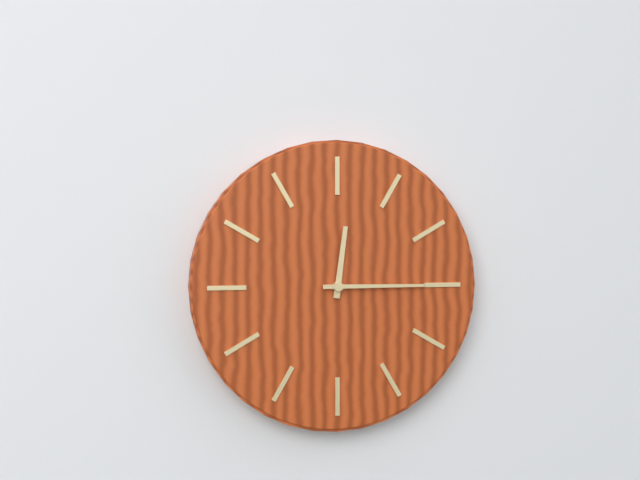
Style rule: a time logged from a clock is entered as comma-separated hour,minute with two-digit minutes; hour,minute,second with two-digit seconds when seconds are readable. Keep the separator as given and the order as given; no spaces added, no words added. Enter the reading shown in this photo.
12,15
